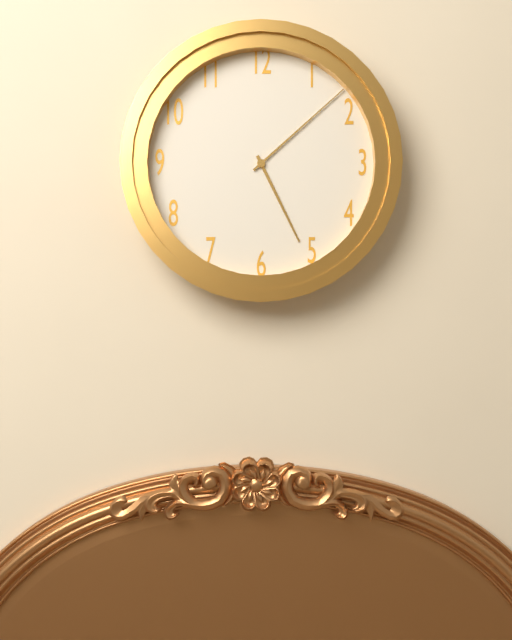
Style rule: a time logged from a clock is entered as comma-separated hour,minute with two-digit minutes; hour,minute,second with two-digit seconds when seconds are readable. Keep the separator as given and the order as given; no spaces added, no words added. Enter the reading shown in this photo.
5,08
